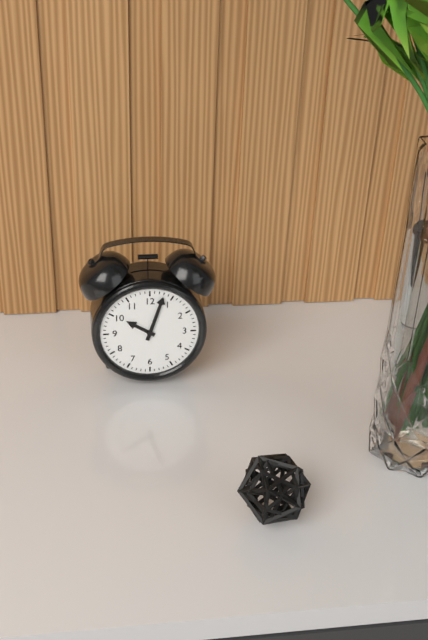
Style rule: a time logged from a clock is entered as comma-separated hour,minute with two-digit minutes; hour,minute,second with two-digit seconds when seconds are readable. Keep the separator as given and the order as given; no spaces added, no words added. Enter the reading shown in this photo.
10,03
